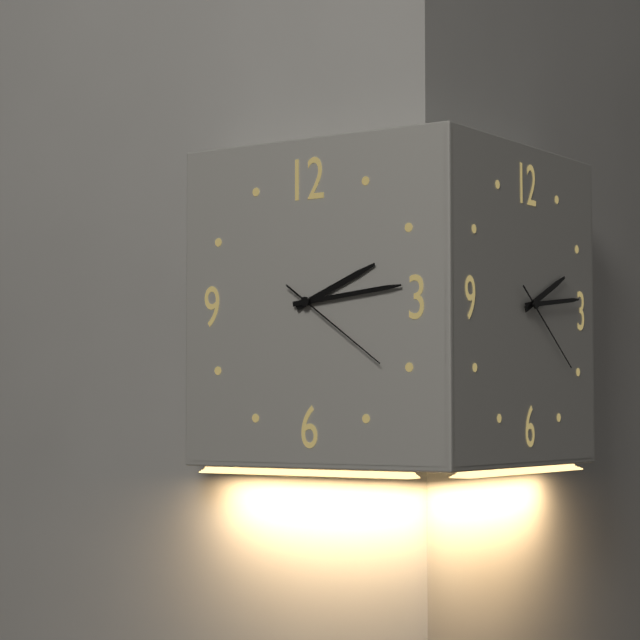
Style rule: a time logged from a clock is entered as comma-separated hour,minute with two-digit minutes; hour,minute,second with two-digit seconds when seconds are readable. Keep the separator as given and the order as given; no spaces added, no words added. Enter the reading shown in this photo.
2,14,21
